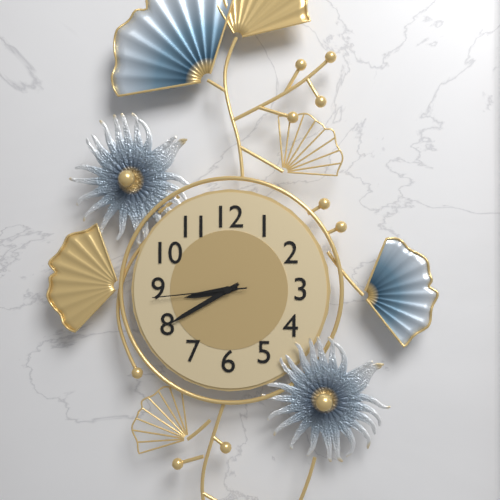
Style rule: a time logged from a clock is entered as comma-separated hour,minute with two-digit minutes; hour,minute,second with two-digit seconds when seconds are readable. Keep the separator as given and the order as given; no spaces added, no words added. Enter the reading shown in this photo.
8,40,44
